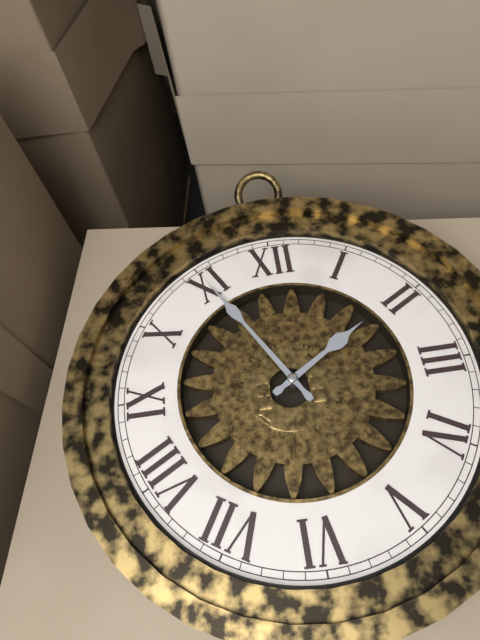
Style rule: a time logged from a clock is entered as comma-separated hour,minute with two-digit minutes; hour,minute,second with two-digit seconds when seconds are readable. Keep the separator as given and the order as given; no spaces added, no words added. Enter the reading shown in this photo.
1,55
